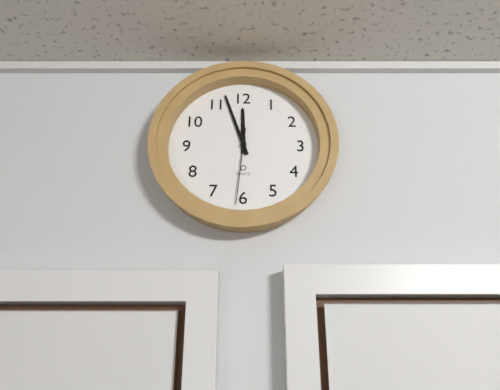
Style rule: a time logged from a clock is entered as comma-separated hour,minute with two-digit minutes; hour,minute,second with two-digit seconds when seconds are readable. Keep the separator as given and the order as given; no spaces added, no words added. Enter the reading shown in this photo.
11,57,31
